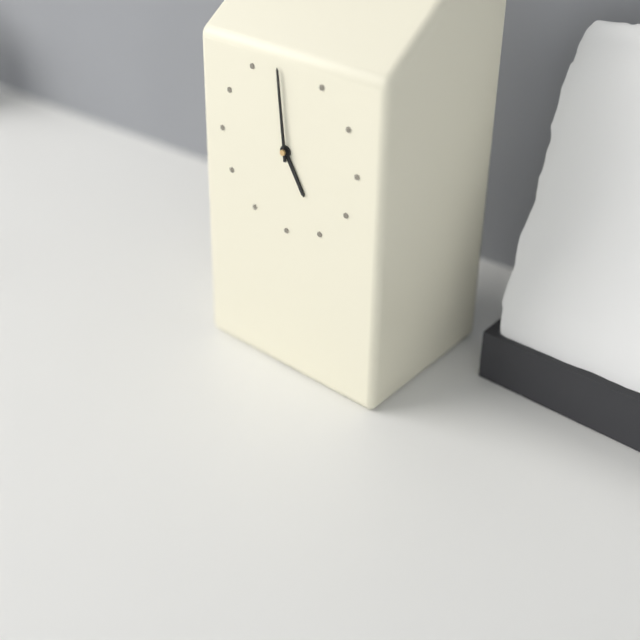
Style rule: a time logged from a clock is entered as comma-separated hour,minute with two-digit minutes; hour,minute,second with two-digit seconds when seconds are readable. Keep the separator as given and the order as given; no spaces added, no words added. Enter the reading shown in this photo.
4,59
